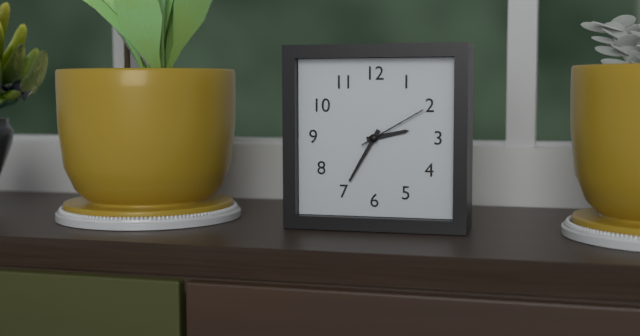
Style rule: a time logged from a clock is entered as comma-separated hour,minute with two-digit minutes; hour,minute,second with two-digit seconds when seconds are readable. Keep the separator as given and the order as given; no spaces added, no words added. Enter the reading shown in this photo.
2,35,10
